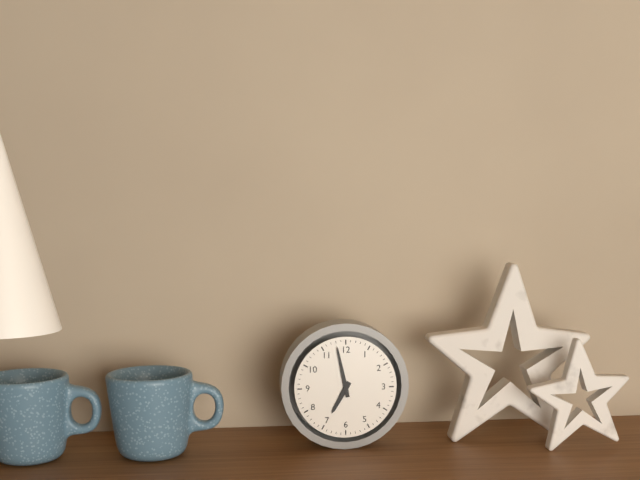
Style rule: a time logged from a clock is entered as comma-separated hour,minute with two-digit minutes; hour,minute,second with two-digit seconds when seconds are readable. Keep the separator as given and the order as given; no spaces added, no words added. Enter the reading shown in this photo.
6,58
